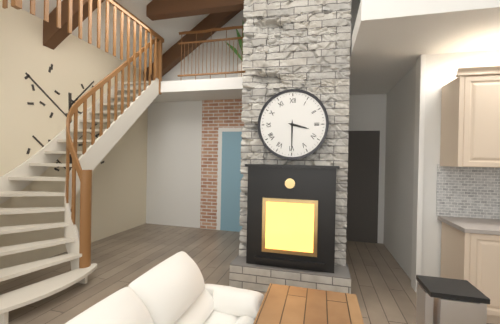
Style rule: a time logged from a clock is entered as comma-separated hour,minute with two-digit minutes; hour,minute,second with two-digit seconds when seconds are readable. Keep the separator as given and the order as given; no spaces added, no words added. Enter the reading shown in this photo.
3,30
